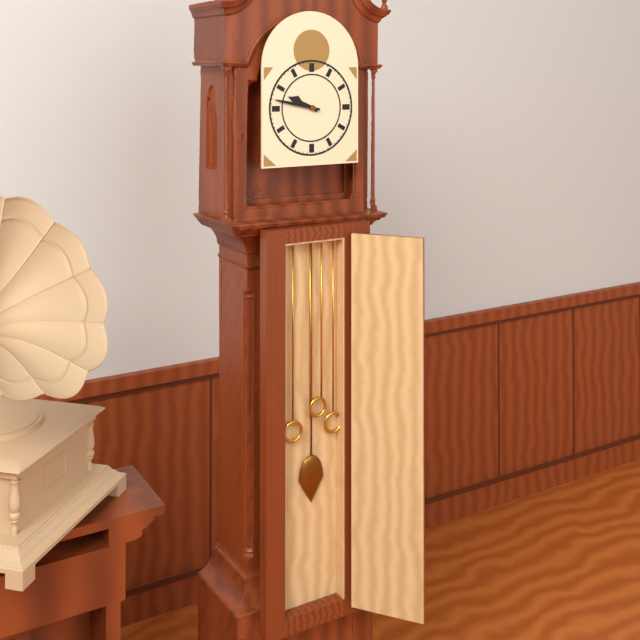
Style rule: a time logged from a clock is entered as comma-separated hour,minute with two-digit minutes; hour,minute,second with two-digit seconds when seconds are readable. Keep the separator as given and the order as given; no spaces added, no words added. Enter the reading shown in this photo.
9,47
